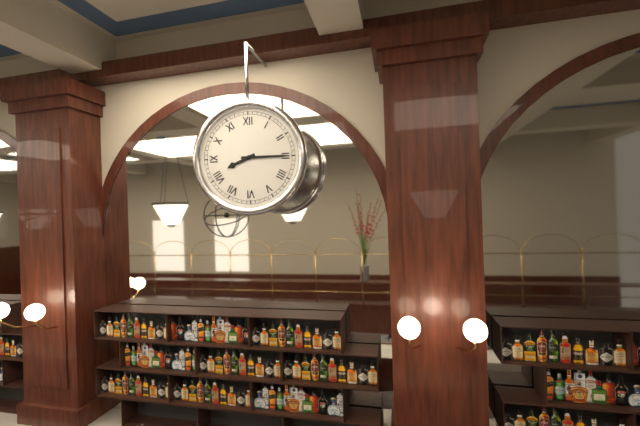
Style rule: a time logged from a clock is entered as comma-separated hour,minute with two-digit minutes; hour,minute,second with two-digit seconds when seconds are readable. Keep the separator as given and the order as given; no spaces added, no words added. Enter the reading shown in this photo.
8,15
